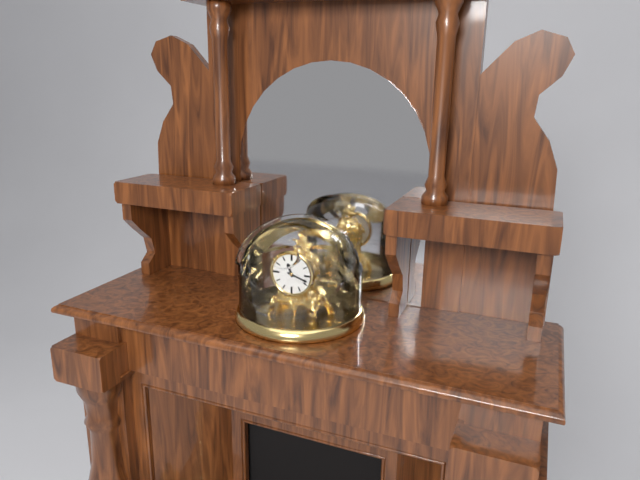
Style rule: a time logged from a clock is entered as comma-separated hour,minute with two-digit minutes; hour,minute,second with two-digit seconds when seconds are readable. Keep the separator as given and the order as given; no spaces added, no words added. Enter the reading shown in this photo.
11,18
